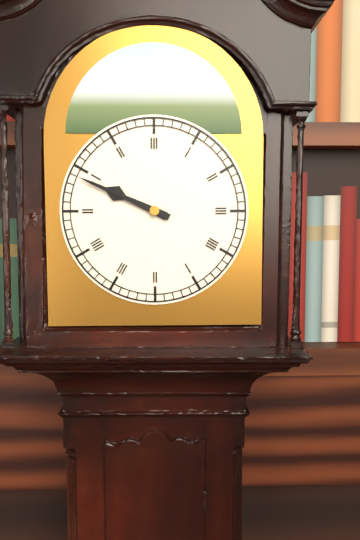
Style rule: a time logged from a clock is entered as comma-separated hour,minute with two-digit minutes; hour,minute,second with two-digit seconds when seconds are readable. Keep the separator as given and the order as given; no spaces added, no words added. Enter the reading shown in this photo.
9,49
